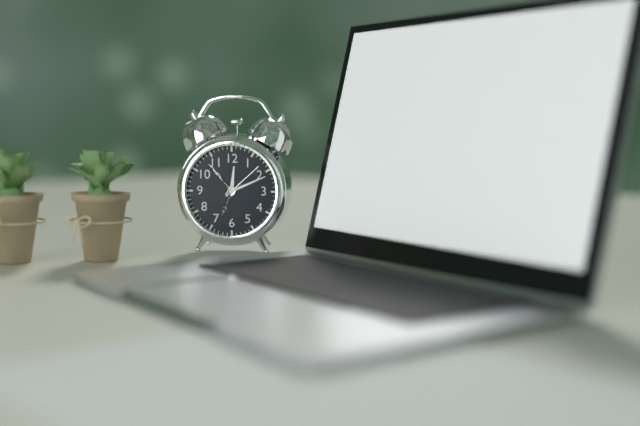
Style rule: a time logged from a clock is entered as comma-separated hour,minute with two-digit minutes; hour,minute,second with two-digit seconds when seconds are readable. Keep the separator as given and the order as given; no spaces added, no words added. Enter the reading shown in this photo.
12,11
